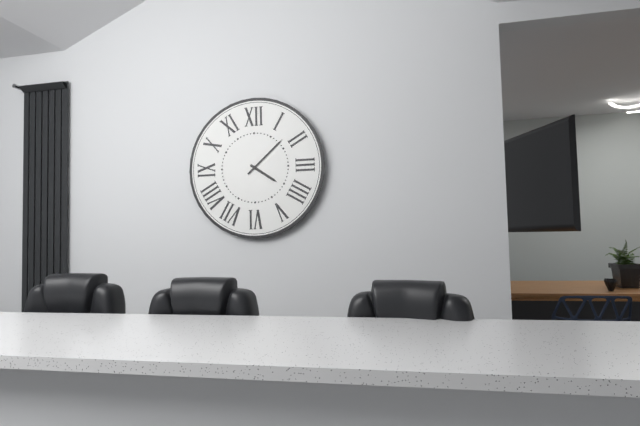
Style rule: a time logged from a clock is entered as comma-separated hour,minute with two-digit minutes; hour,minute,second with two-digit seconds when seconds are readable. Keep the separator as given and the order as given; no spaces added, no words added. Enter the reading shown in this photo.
4,08
